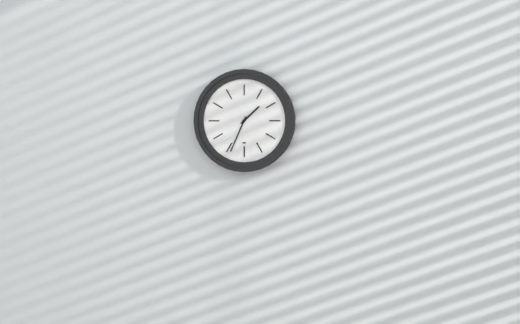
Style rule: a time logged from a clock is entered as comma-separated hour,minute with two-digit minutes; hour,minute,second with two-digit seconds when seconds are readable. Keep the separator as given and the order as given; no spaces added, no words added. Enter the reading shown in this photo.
1,34
